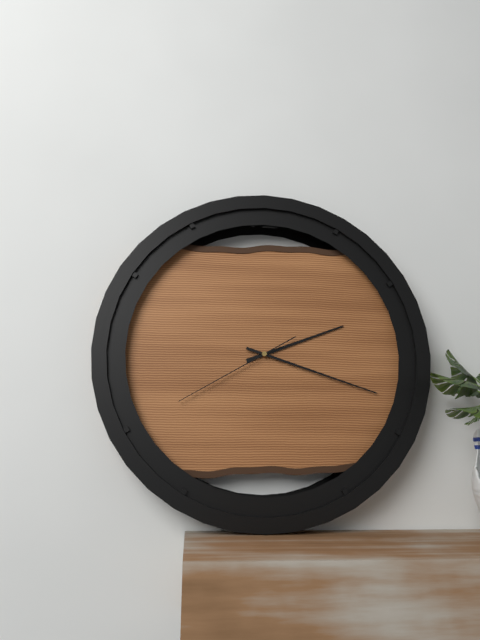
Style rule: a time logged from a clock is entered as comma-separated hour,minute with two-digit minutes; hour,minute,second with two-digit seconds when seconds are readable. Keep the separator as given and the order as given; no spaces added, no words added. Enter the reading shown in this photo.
2,18,40
